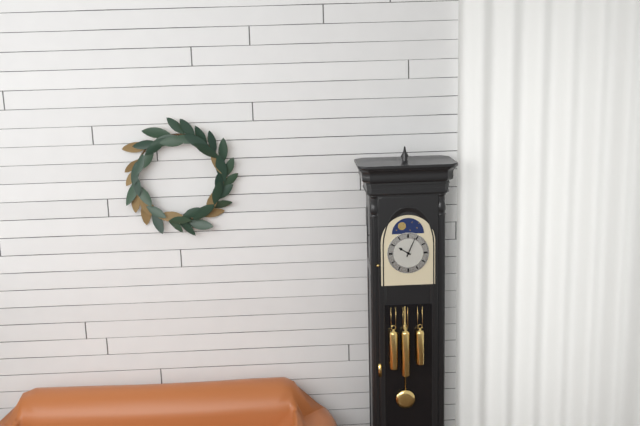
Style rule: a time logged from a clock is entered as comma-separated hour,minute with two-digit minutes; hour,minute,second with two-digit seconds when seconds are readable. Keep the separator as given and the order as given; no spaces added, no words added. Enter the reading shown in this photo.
10,04
